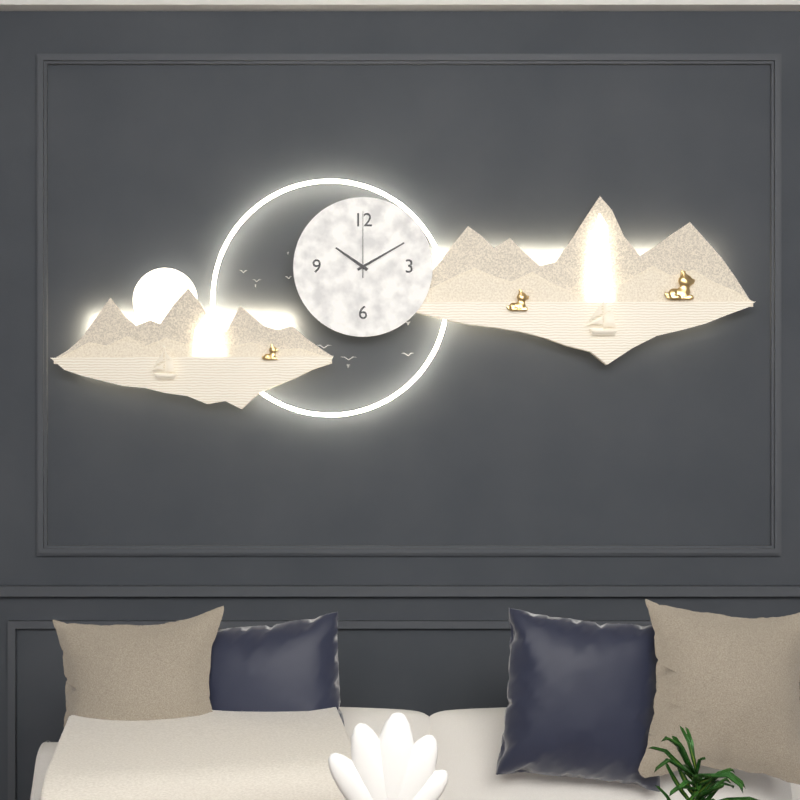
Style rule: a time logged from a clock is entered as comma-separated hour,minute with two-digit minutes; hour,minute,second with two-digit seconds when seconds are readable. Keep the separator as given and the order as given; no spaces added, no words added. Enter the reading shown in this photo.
10,10,00
